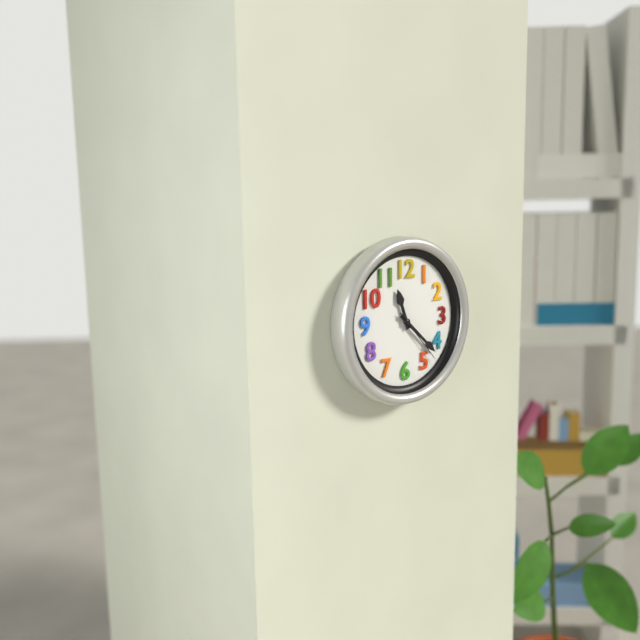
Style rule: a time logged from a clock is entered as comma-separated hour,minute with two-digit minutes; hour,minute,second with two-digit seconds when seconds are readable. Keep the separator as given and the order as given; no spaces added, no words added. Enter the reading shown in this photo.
11,22,23
